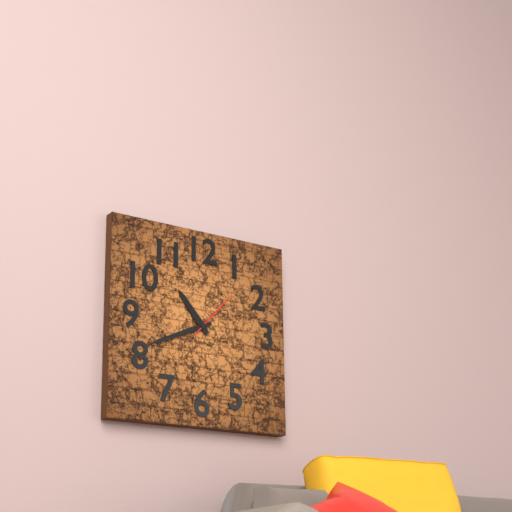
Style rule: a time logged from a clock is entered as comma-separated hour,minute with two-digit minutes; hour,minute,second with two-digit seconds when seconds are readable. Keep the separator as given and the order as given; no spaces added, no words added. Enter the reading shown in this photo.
10,41,07
